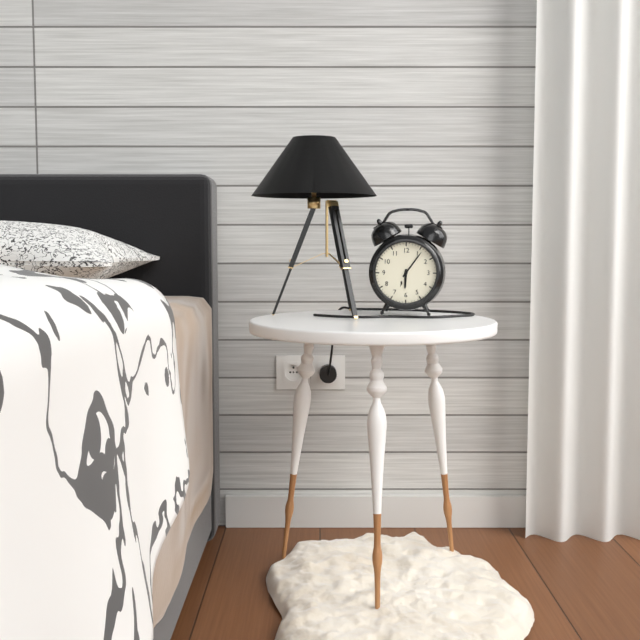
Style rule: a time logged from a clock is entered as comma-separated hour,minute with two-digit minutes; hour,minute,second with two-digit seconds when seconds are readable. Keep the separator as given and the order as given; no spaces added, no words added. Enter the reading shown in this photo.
6,06
